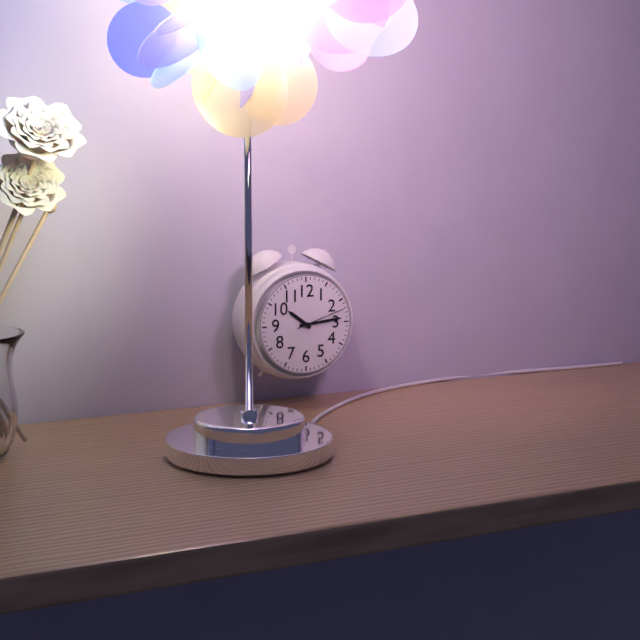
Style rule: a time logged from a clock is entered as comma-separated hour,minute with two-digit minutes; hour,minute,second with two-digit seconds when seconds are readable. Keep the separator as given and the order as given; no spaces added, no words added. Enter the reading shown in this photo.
10,14,12
